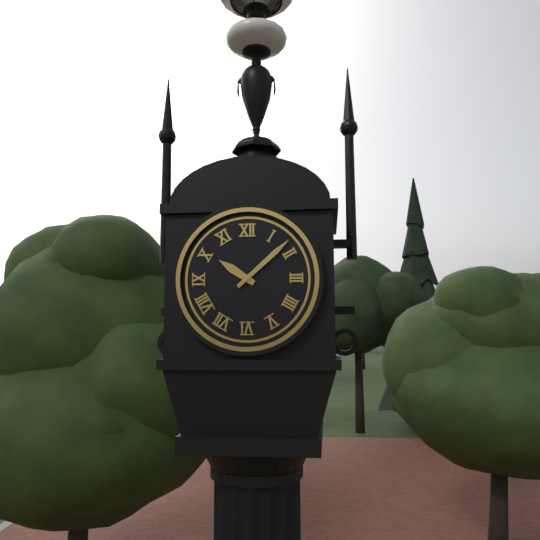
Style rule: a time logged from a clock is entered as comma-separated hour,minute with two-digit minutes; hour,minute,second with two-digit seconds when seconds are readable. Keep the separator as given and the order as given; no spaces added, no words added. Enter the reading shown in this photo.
10,08
